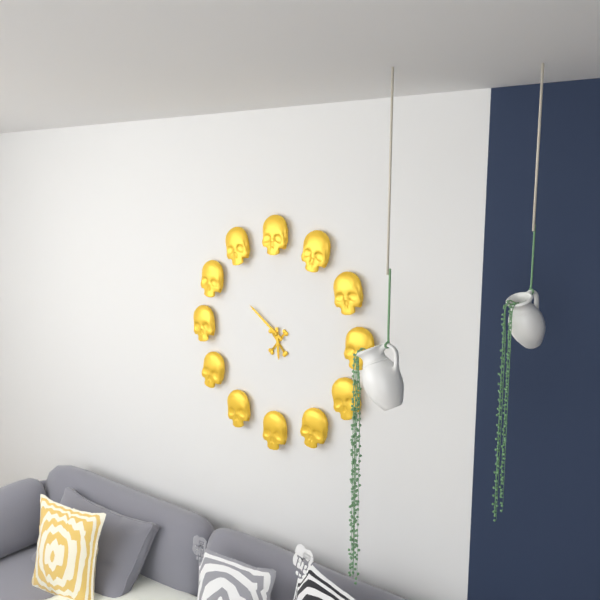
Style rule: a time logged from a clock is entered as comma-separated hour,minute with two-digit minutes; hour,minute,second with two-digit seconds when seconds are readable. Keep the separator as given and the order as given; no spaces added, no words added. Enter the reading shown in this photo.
5,51
